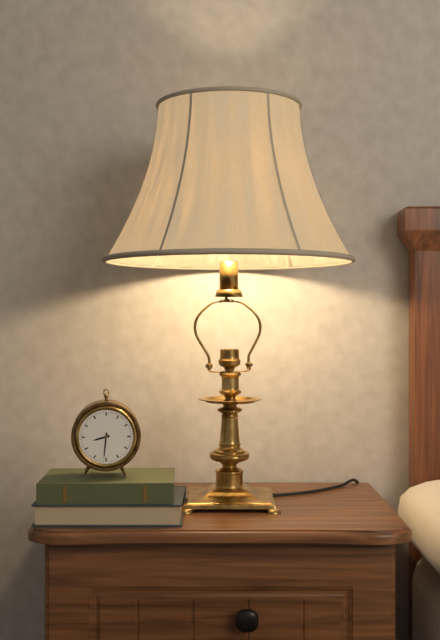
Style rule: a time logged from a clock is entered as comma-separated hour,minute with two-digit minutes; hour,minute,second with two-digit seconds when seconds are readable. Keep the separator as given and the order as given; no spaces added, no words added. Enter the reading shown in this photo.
8,31
